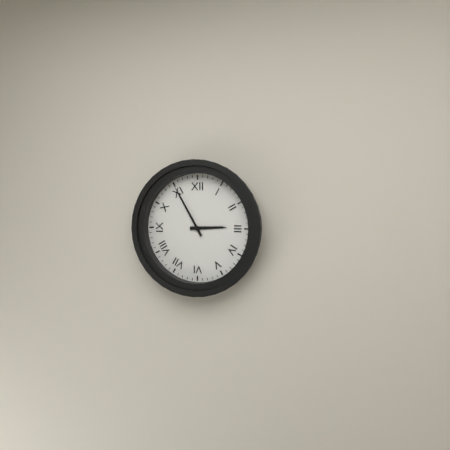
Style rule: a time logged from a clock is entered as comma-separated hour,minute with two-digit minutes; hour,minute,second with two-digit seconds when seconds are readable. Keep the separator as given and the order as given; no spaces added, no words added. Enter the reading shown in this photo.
2,55
